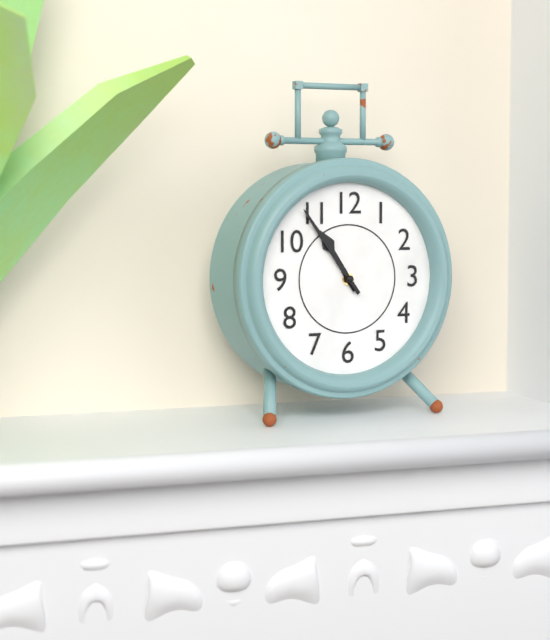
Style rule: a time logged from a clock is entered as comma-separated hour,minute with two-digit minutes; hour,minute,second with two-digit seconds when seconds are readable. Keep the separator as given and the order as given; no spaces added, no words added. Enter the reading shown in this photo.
10,54
